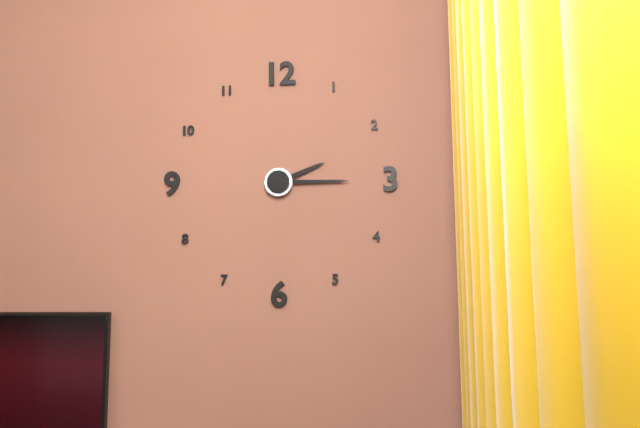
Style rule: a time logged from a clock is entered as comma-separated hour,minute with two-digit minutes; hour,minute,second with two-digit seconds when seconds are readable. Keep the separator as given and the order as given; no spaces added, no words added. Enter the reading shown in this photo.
2,15
